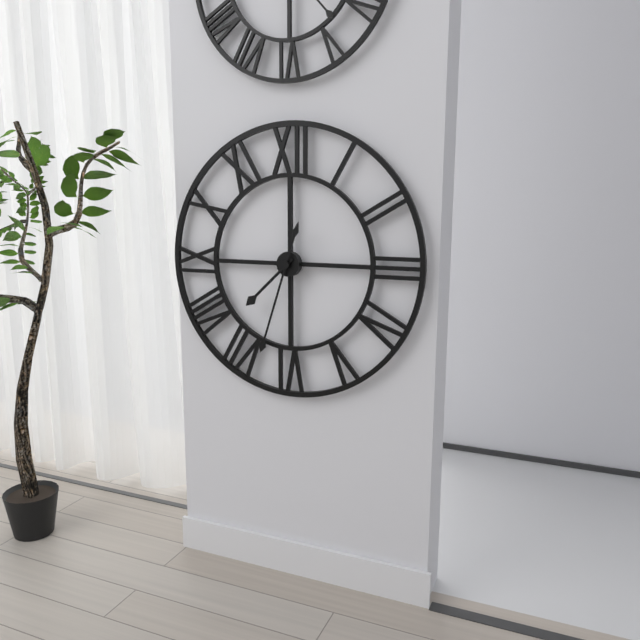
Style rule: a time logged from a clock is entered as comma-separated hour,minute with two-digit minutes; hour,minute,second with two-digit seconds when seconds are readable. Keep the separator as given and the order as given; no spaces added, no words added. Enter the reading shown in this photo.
7,33
